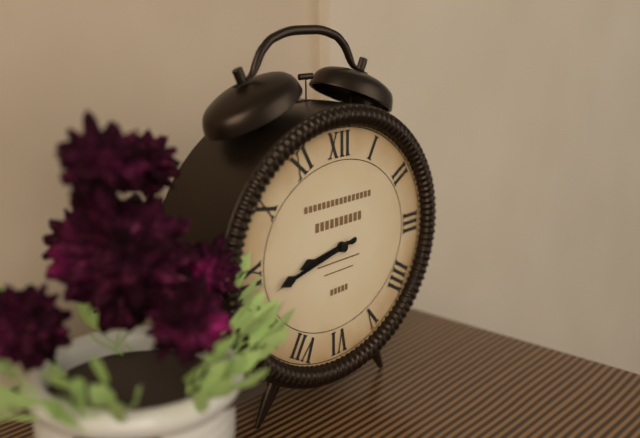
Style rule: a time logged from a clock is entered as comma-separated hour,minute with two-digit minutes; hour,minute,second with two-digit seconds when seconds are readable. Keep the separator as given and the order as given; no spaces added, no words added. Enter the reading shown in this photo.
8,43,43
